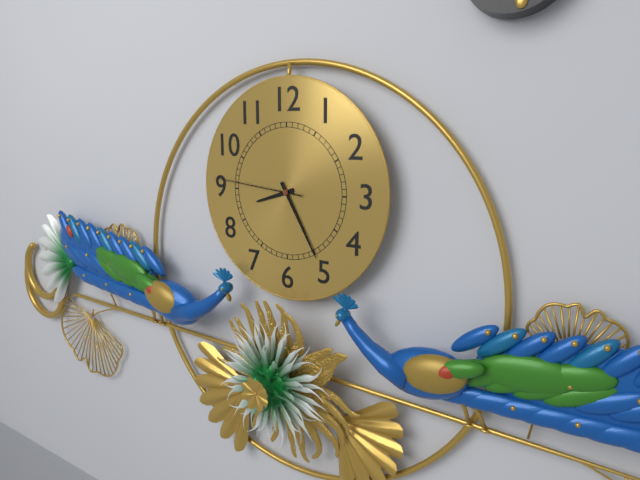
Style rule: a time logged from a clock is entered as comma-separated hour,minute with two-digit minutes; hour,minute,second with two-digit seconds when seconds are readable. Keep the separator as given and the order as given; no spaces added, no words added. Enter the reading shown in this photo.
8,25,46
